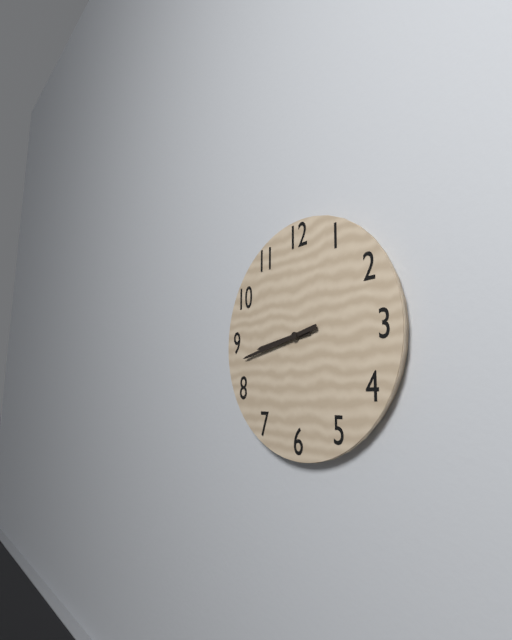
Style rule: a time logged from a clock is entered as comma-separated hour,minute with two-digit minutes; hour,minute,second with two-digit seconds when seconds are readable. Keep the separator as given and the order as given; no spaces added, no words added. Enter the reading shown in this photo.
8,43
